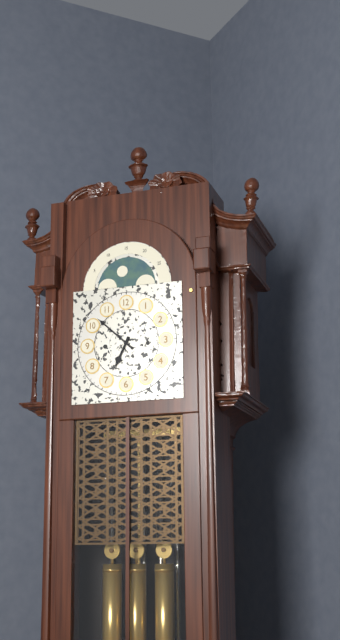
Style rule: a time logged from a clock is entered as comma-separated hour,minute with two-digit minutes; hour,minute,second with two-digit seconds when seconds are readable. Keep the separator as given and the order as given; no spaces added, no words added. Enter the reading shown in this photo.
6,52
